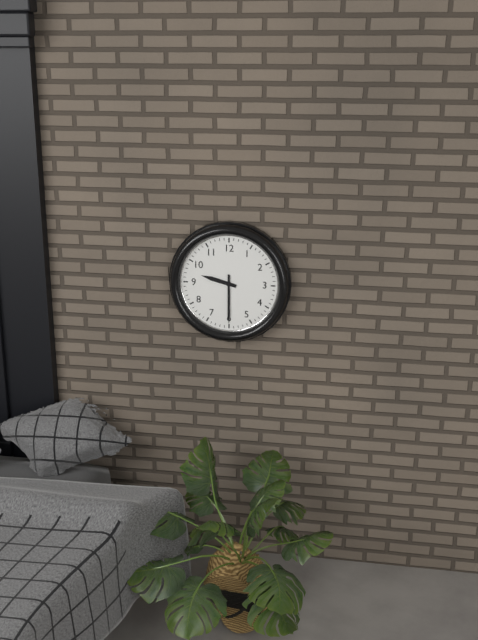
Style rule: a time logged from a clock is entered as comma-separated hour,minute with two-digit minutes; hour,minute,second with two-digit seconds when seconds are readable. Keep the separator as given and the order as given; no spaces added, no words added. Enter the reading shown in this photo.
9,30
